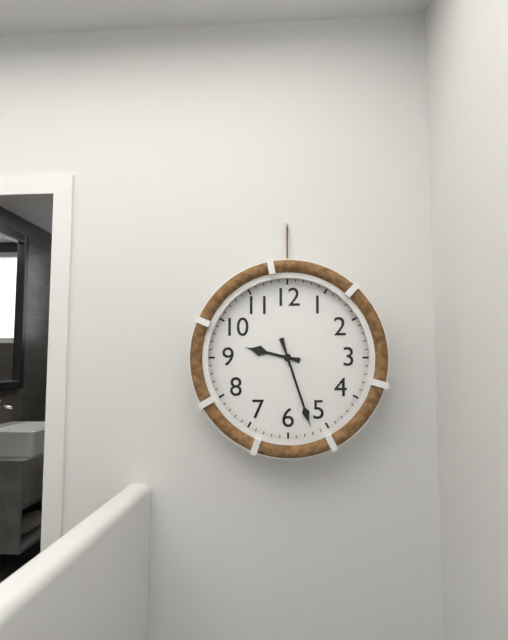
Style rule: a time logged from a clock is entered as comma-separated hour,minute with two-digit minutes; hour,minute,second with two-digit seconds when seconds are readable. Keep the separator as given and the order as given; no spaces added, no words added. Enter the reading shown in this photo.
9,27
